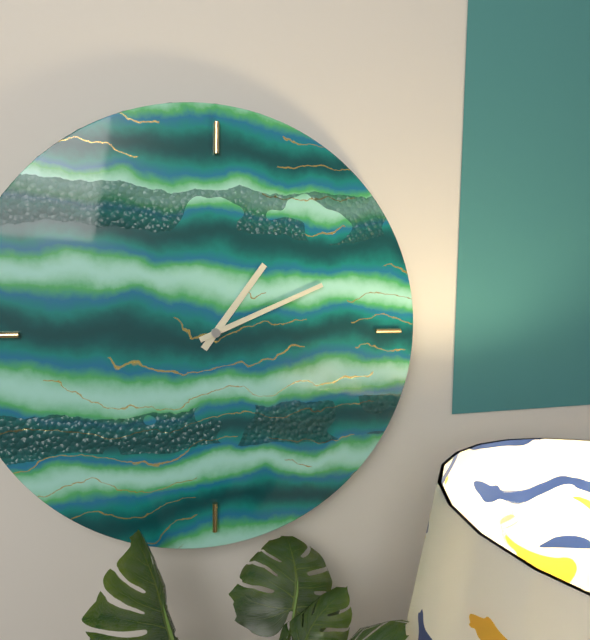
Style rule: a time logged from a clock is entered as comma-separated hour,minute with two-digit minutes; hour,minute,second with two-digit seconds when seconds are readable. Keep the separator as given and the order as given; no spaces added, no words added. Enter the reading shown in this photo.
1,11
